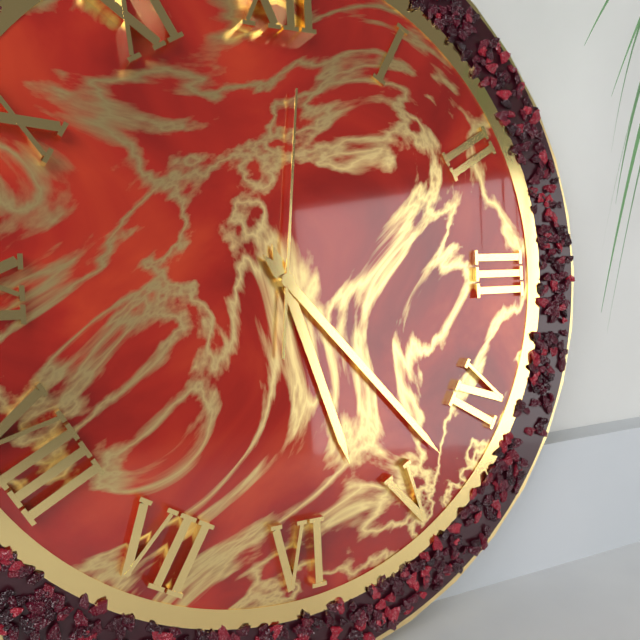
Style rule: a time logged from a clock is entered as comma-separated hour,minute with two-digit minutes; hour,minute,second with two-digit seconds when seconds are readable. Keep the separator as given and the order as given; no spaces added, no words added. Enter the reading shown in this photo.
5,23,01
